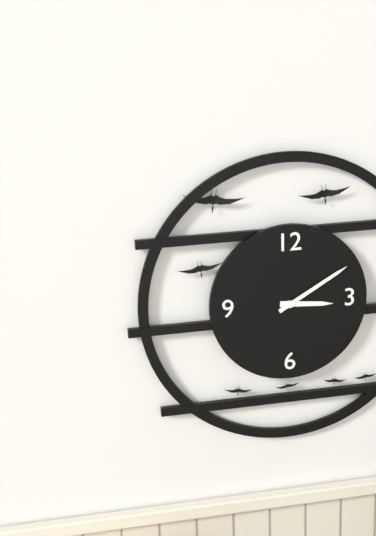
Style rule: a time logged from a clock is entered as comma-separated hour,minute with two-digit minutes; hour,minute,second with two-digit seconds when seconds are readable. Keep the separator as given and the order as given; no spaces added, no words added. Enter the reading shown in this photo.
3,10
